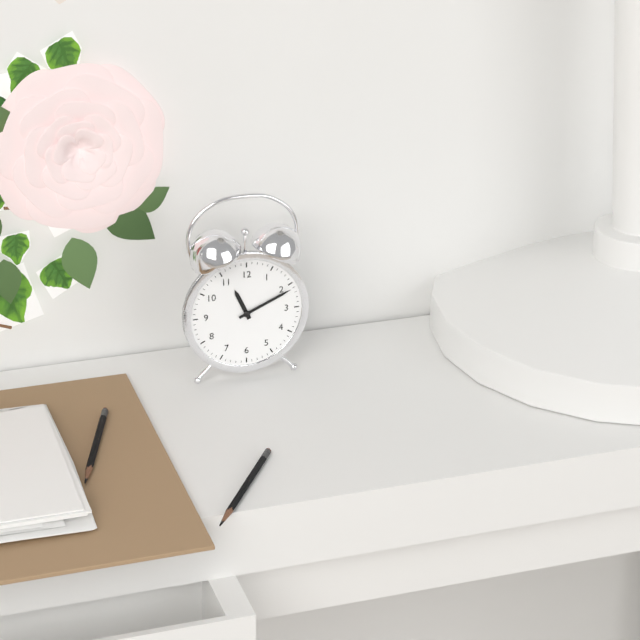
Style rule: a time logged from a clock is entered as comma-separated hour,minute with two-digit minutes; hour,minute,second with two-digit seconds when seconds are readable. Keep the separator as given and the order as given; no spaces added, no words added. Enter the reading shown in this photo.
11,11
